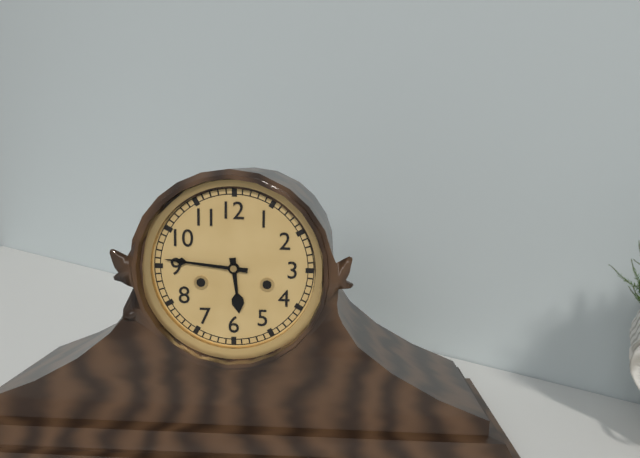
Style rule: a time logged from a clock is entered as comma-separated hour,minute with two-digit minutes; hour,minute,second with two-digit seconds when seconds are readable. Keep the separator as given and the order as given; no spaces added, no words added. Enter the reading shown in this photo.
5,46
